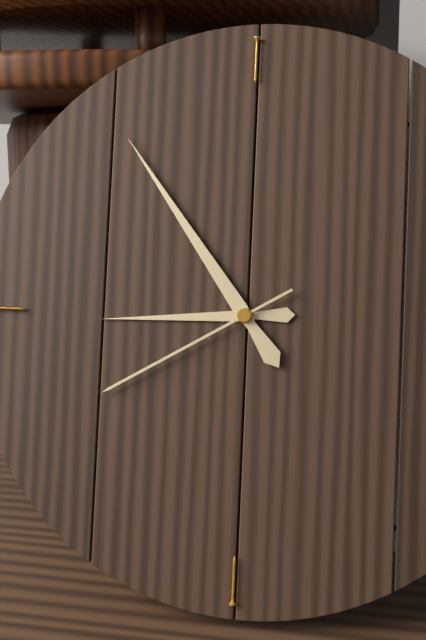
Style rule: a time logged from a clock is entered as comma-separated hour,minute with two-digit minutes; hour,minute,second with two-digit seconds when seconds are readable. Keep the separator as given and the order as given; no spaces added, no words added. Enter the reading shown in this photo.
8,54,40
